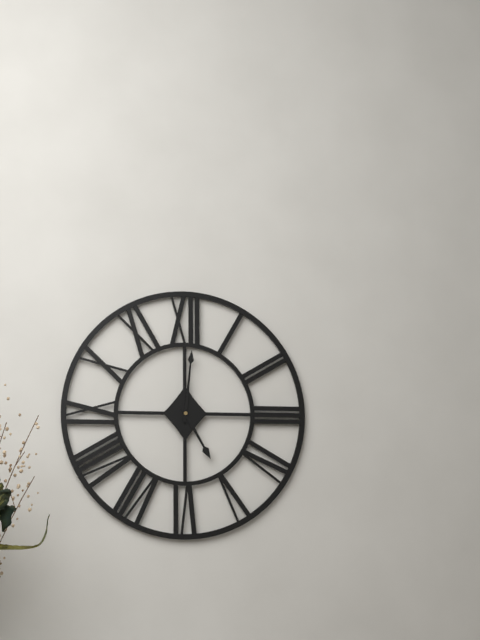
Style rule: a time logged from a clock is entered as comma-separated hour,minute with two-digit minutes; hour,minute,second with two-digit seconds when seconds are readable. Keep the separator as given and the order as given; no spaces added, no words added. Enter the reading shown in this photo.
5,01
